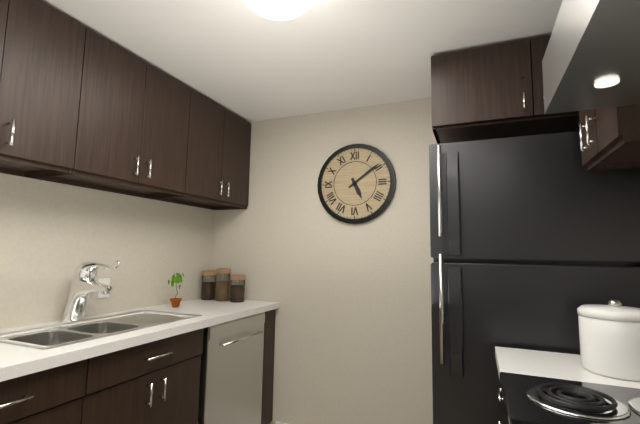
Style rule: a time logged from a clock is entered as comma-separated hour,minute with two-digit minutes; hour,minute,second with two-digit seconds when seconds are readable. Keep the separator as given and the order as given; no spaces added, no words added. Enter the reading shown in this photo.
5,09
